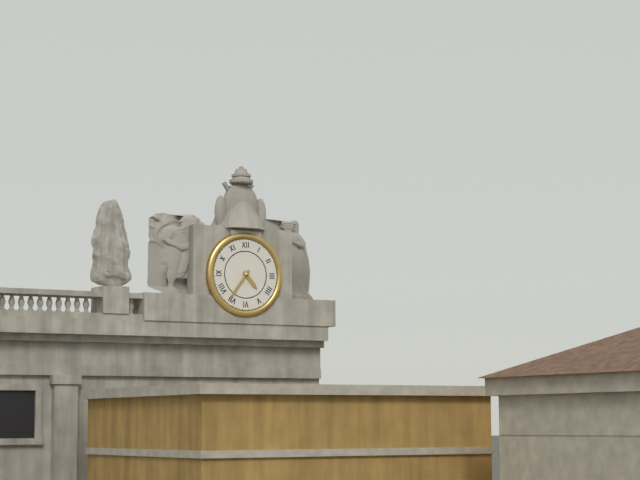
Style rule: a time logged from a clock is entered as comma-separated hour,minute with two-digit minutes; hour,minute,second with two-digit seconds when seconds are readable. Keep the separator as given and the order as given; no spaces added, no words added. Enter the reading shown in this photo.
4,36
